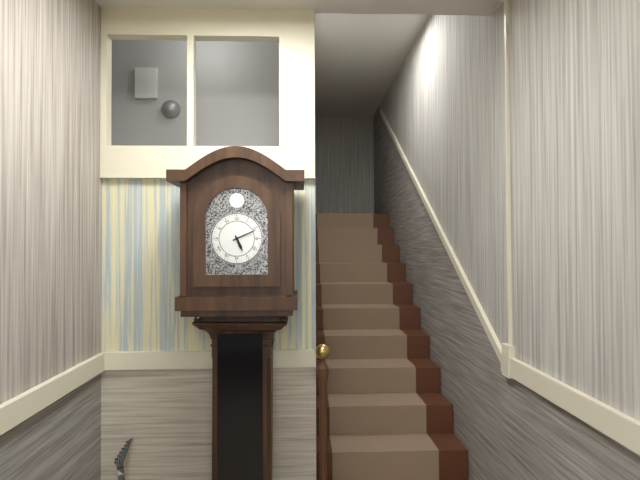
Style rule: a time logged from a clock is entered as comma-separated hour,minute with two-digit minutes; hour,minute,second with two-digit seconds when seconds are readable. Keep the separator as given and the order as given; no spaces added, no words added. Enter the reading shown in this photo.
5,11
